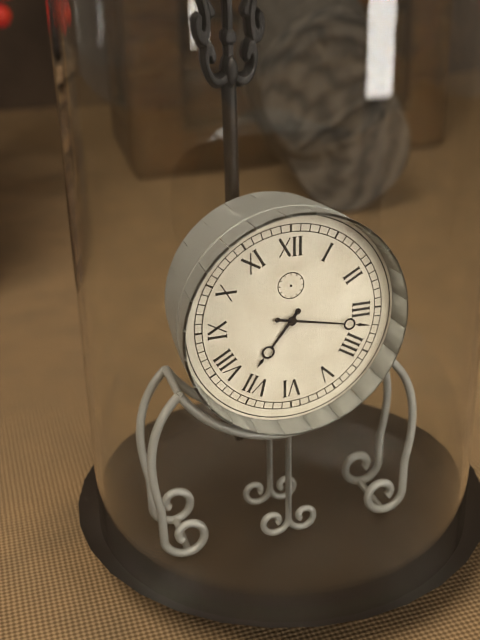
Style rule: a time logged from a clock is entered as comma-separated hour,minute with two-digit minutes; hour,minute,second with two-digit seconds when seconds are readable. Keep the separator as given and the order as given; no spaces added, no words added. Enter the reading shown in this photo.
7,17
